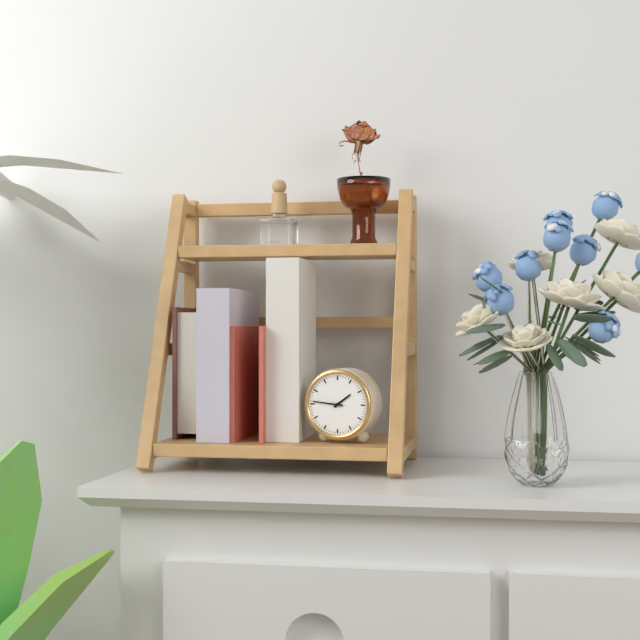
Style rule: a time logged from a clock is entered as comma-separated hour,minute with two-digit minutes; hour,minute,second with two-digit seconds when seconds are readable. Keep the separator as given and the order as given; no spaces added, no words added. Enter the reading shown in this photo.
1,46
